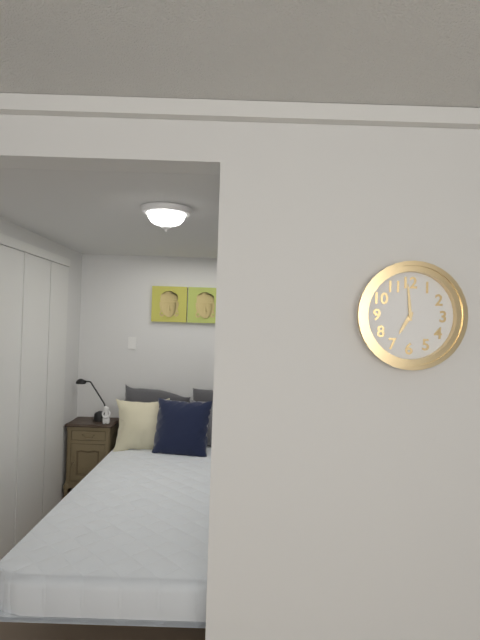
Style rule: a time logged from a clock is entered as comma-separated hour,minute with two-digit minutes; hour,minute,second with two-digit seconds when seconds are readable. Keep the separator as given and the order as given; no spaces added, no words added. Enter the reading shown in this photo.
6,59
